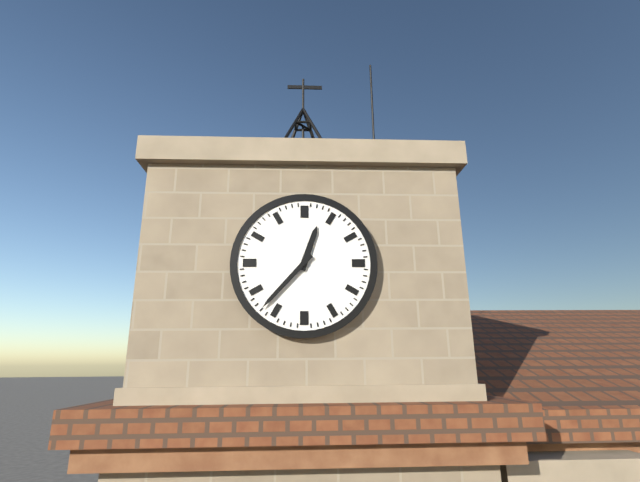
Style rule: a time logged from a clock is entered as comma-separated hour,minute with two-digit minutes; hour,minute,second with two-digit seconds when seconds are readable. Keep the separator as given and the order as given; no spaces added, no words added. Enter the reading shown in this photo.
12,37
